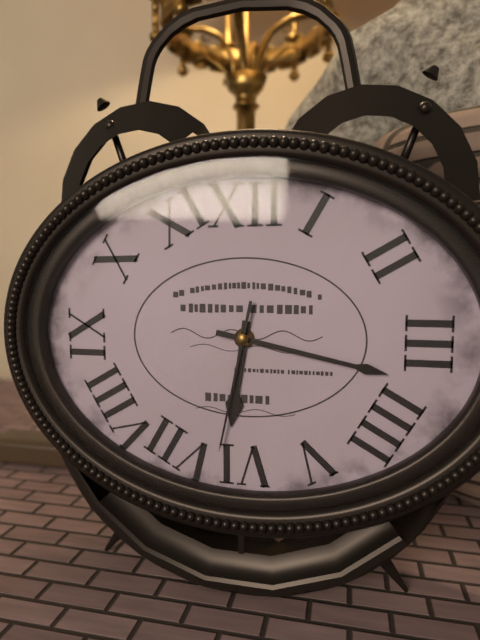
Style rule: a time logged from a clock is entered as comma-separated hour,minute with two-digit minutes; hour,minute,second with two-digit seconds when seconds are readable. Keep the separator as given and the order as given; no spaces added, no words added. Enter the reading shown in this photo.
6,17,32
